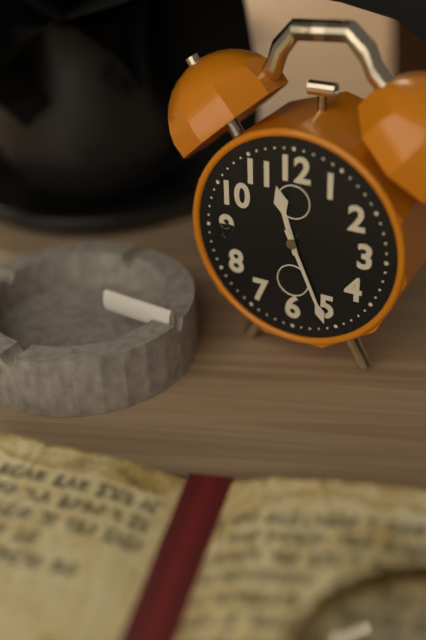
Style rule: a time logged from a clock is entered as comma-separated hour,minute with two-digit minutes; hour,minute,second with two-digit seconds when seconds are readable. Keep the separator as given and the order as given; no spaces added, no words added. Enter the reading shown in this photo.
11,26
